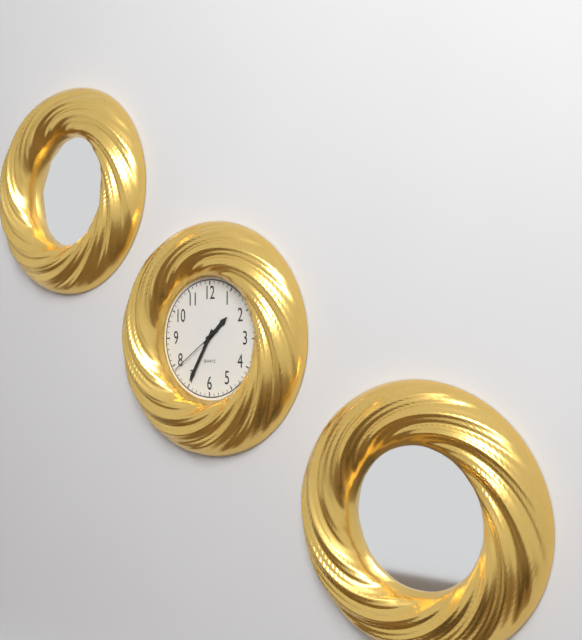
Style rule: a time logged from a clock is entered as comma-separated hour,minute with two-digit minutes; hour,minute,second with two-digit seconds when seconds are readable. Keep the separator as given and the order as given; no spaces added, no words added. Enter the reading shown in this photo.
1,35,39
